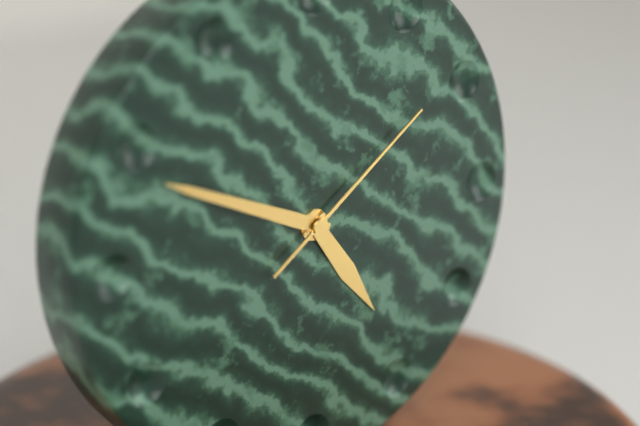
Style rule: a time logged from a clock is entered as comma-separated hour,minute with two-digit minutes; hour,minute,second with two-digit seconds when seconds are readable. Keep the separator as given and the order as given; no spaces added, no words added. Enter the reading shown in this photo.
4,49,09
